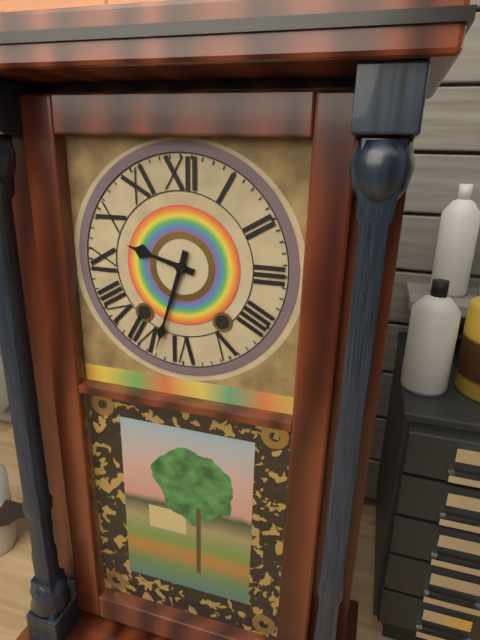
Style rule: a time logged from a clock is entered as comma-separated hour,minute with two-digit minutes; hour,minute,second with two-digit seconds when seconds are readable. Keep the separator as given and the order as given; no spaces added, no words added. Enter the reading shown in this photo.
9,33
